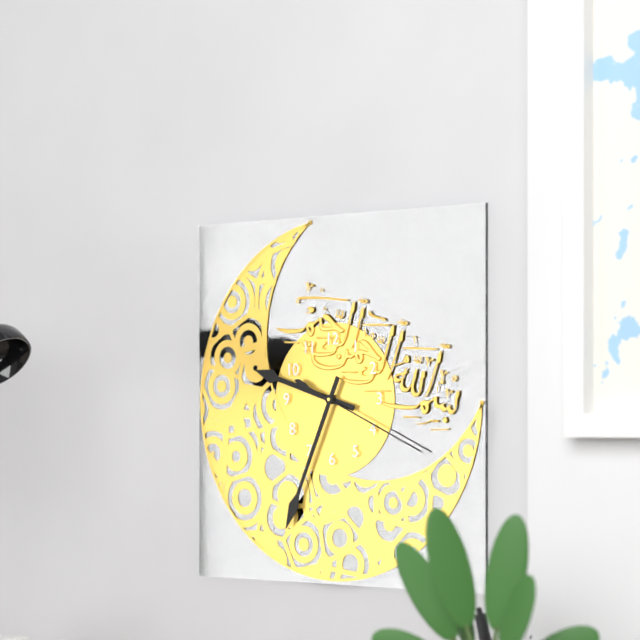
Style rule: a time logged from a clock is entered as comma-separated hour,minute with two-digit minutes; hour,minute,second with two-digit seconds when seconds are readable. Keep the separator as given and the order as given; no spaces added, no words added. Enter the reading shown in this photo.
9,34,19
